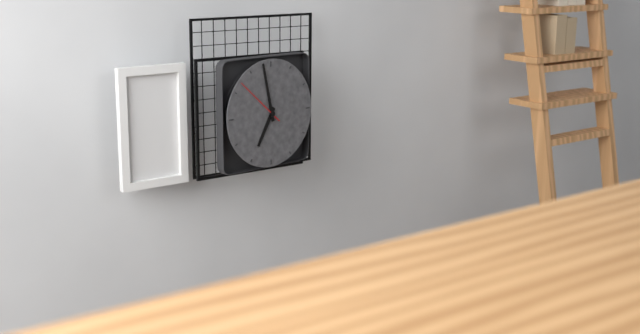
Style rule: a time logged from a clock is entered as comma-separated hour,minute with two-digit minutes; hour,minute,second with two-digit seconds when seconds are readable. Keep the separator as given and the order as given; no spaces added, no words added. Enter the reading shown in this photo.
6,58,52
